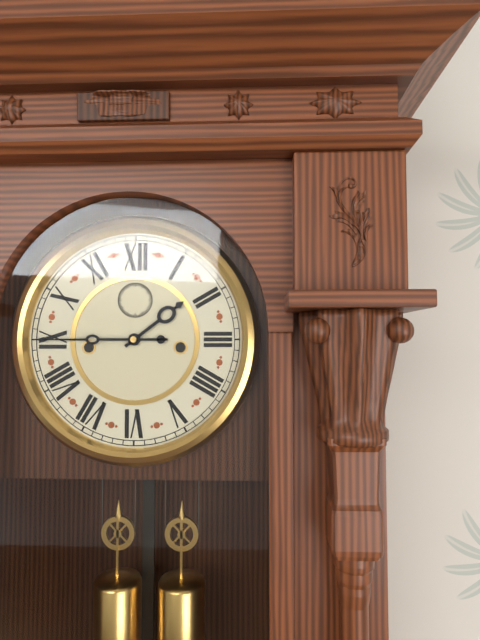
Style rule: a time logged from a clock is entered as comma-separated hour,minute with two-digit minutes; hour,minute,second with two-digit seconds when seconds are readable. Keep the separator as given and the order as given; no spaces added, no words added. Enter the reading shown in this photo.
1,45
